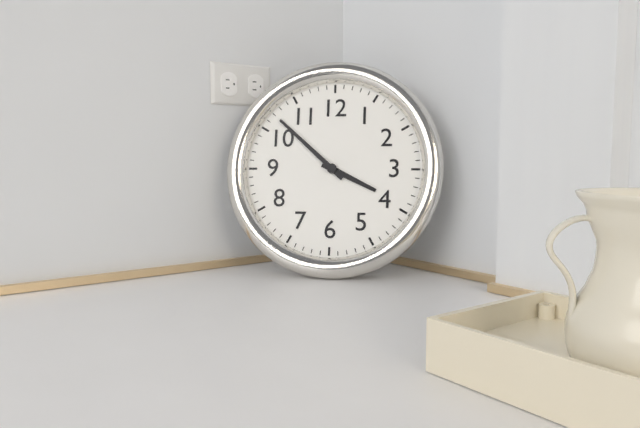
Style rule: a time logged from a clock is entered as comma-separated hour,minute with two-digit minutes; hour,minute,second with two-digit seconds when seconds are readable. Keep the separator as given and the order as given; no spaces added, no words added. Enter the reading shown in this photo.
3,52
